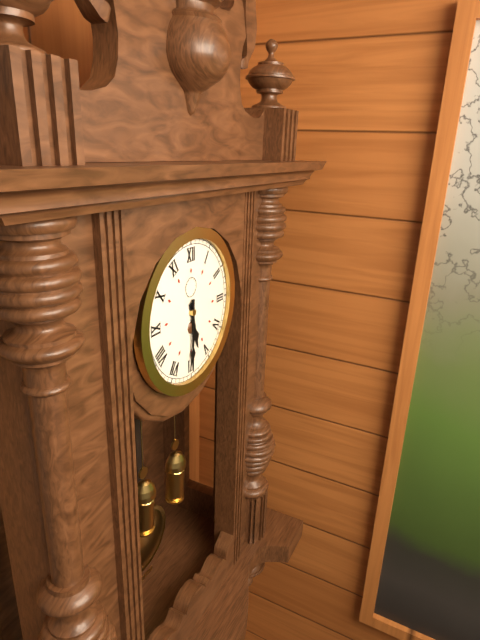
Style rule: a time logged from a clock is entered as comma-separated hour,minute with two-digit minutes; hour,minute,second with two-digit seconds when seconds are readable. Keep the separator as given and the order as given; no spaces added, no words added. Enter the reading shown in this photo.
5,30
